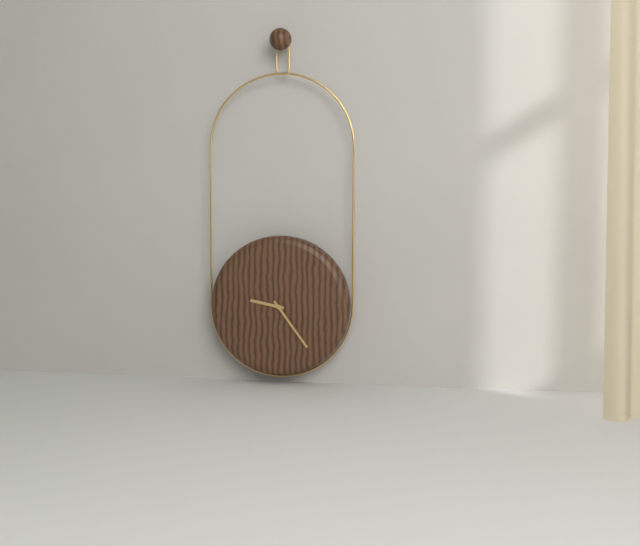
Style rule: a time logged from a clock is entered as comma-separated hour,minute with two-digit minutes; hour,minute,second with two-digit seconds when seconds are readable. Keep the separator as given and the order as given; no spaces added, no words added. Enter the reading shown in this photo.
9,24
